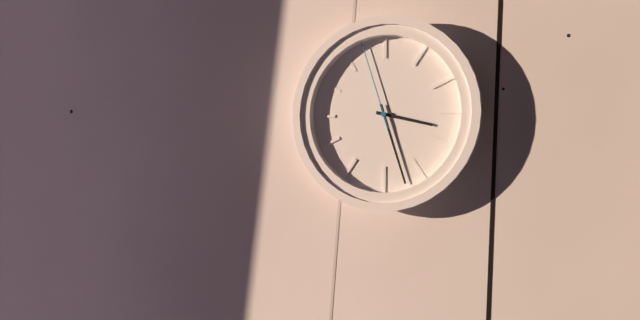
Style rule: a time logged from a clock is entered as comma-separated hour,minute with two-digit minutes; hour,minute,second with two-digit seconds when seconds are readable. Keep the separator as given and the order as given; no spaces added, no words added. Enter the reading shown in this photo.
3,27,57
